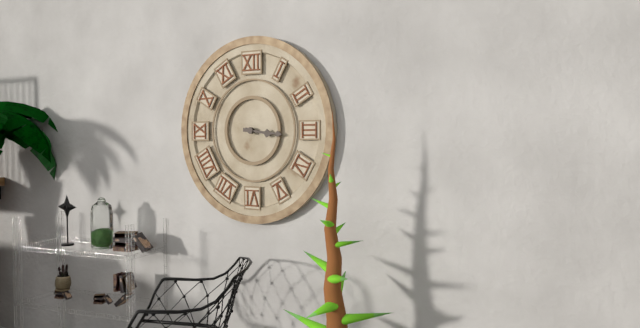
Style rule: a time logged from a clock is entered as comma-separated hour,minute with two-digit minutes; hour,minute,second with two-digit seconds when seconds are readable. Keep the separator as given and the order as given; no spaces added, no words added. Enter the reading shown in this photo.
3,16
